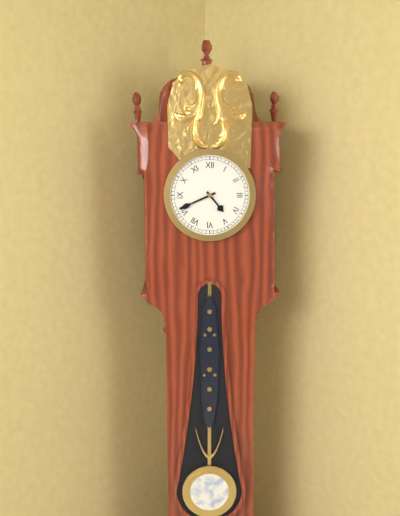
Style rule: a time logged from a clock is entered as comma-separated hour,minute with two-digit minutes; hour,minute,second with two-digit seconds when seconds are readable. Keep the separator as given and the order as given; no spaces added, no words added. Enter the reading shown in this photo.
4,41
